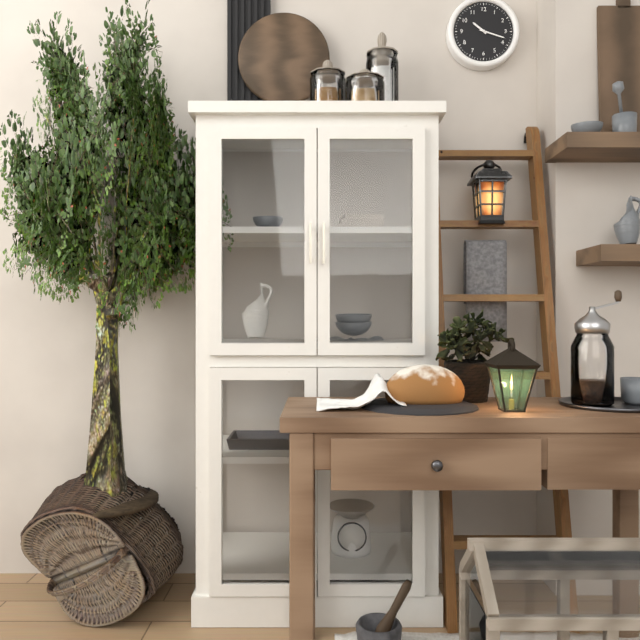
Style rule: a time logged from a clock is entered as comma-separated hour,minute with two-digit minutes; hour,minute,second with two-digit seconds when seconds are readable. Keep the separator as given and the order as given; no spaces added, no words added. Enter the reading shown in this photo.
10,18
